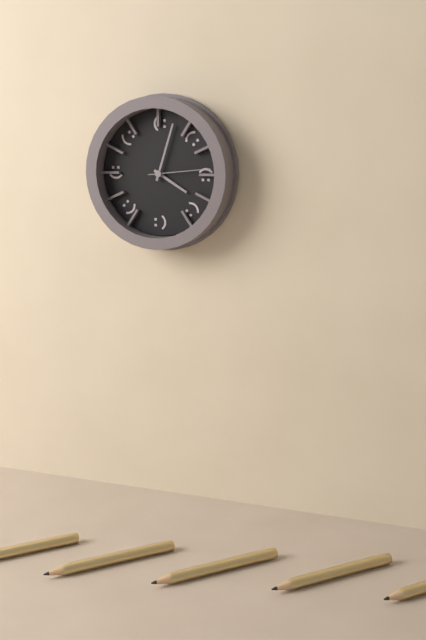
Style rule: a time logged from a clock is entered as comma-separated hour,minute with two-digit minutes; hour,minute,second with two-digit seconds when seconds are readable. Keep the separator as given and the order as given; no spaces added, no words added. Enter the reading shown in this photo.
4,03,14
